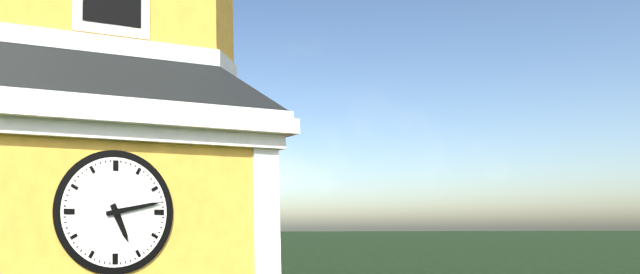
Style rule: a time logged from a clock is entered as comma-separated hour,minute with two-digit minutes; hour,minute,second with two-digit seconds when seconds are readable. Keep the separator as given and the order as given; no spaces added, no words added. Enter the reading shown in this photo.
5,13
